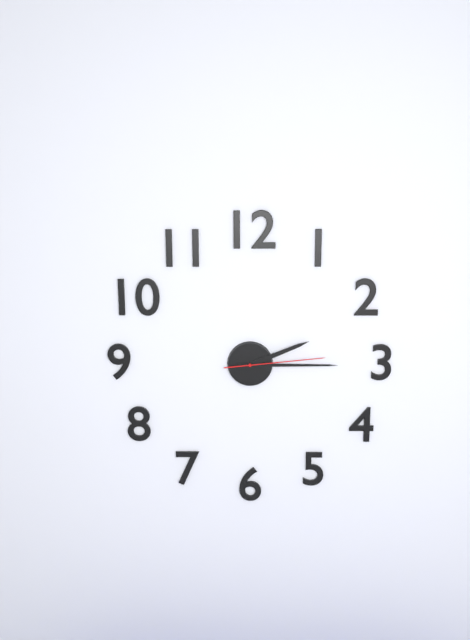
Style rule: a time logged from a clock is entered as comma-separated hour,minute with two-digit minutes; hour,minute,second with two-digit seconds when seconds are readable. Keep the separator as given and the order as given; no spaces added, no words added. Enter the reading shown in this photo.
2,15,14
